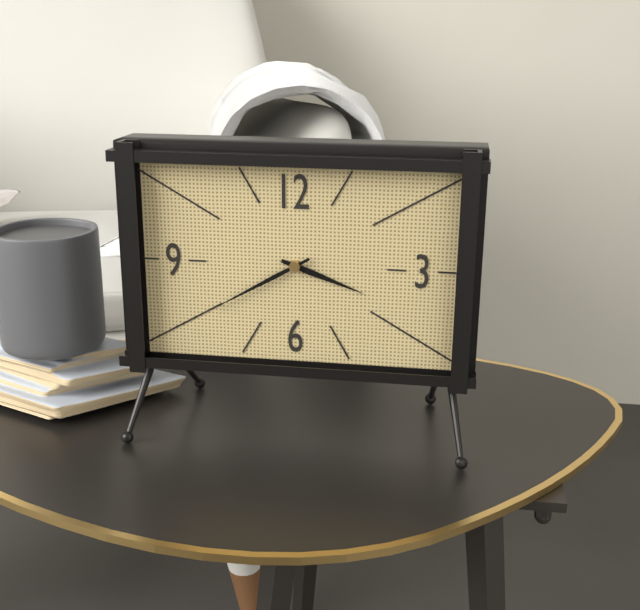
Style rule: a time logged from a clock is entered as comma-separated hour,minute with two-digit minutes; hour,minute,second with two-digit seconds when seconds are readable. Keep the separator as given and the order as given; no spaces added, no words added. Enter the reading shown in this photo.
3,40
